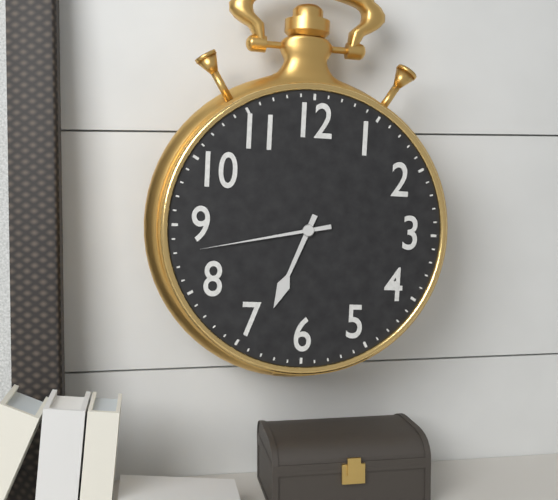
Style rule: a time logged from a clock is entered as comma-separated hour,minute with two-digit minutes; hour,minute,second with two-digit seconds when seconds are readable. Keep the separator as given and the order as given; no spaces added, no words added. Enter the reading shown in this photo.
6,43
